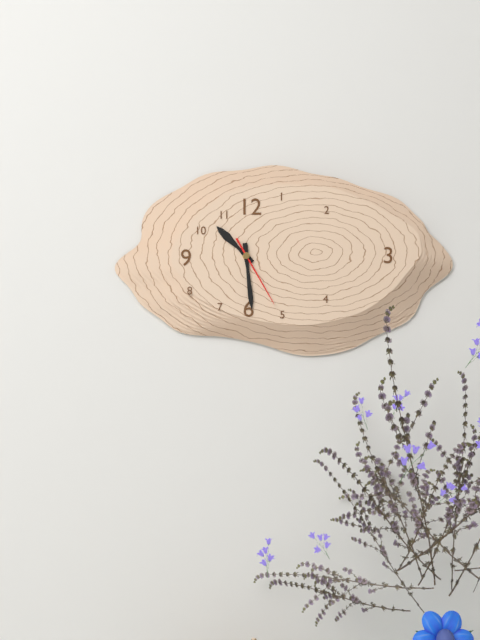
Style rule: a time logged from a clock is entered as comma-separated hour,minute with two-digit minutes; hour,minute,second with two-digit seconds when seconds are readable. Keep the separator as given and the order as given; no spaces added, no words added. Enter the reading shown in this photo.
10,29,25
